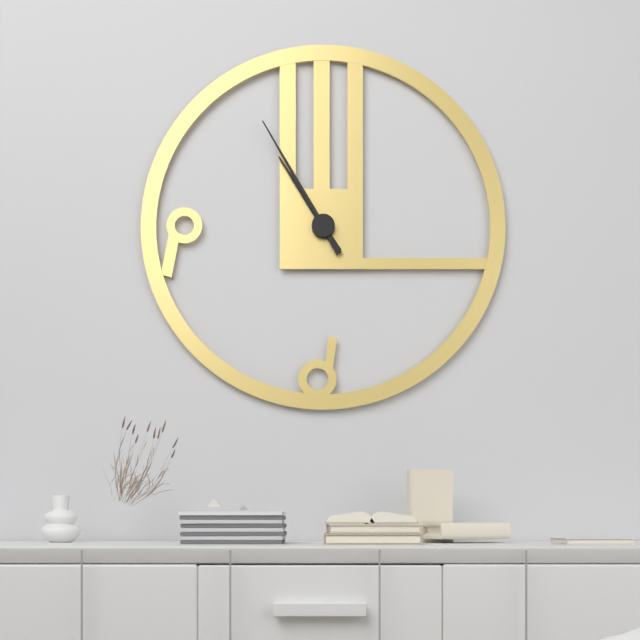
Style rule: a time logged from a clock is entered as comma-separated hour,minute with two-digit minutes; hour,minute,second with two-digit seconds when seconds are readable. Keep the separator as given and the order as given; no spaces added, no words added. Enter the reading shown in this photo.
10,55
